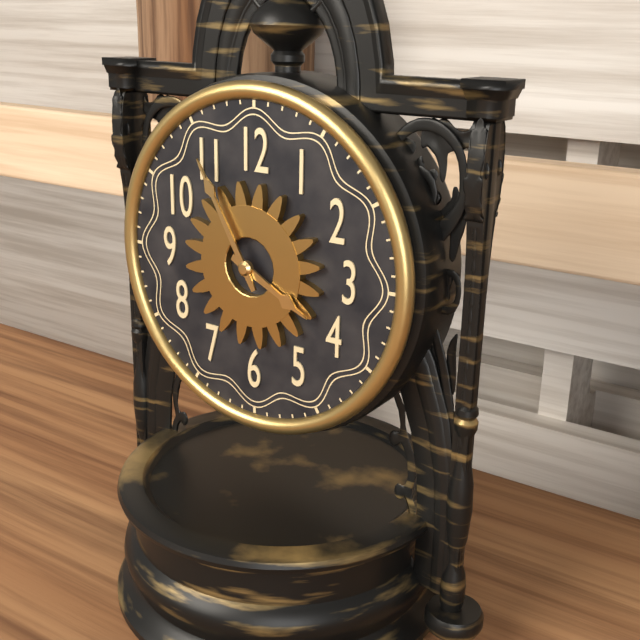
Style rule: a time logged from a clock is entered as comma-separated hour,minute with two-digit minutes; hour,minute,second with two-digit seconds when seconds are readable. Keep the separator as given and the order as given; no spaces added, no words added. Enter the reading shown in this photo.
3,55
